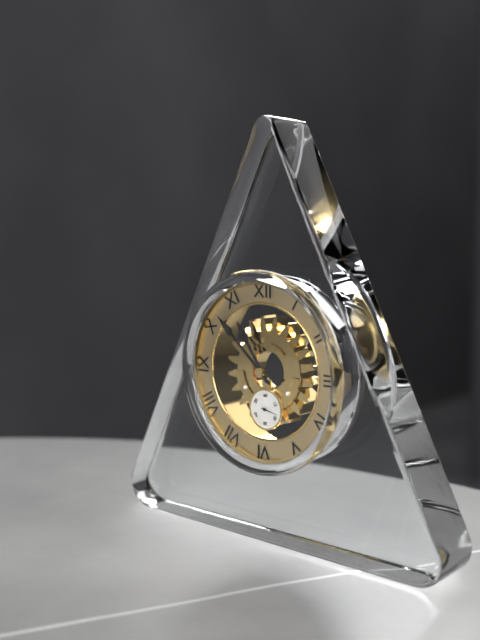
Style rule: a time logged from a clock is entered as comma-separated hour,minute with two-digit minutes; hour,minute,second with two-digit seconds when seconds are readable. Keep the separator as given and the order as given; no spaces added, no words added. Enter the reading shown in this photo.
10,52
